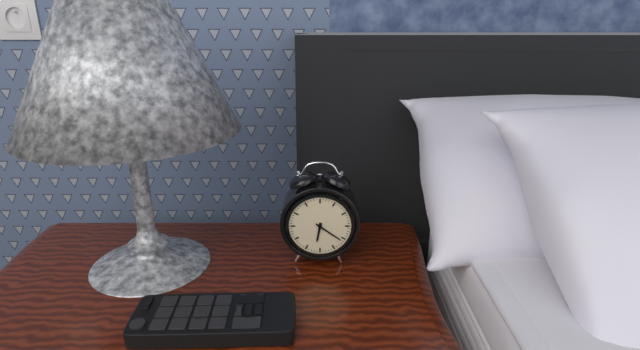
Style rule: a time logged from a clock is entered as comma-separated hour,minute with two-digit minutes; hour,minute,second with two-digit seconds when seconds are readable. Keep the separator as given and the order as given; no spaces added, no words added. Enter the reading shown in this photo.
6,21
